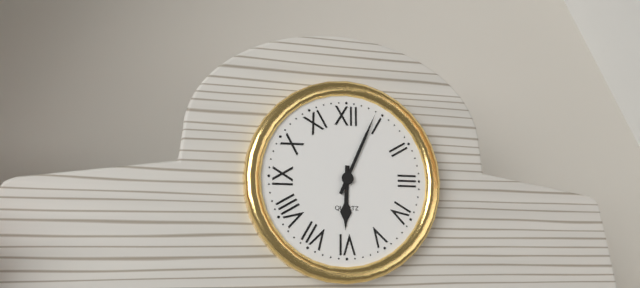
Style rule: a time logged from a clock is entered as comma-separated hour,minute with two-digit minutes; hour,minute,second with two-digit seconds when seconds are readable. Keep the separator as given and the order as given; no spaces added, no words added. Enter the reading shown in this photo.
6,04
